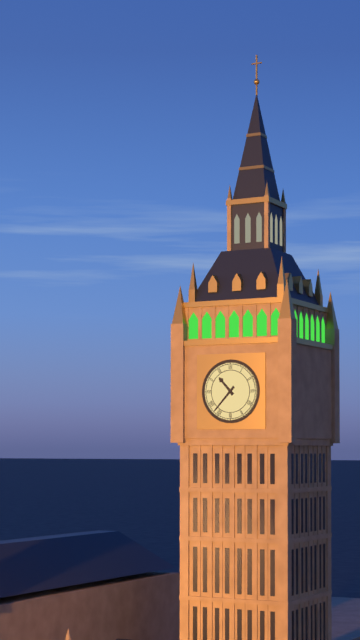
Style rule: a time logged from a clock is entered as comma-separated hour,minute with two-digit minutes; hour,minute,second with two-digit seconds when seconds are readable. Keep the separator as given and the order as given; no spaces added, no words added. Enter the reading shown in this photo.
10,37
